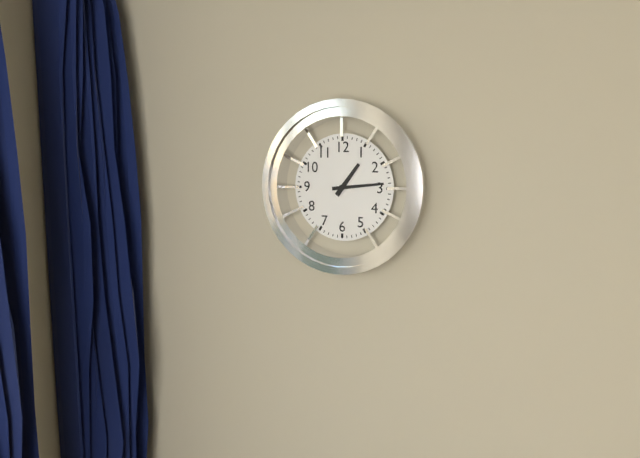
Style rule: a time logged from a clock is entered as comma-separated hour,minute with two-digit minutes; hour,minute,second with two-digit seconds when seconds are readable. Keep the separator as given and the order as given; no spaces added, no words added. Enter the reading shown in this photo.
1,14
